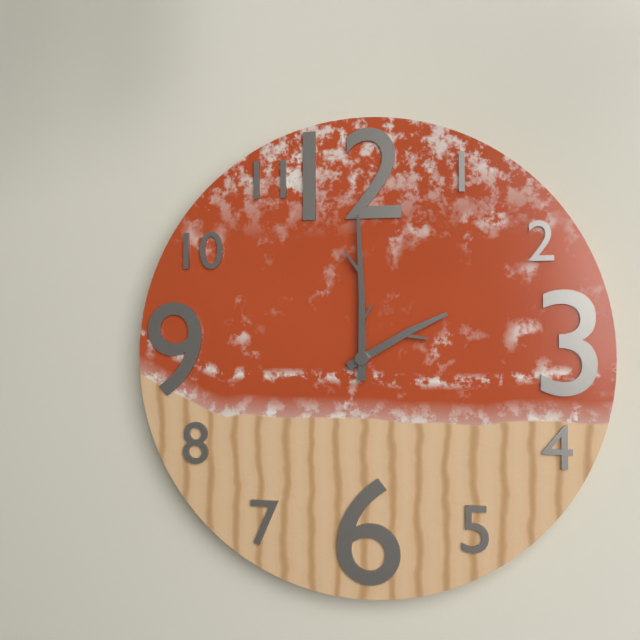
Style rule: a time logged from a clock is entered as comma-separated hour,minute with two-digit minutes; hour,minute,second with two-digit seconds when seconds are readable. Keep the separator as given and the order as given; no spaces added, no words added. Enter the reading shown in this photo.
2,00
